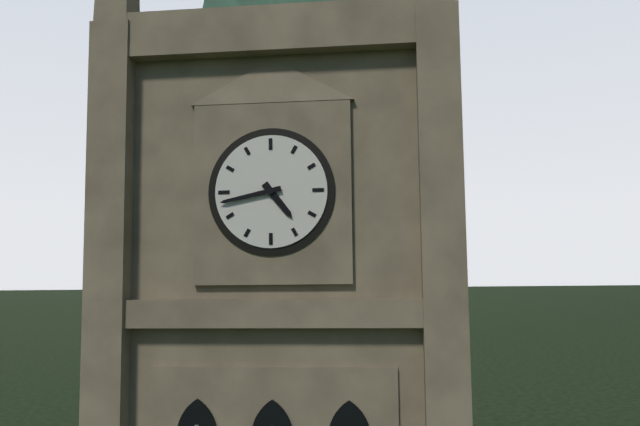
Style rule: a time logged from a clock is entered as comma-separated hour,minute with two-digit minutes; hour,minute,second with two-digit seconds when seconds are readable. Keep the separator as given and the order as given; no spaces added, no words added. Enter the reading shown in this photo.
4,43
